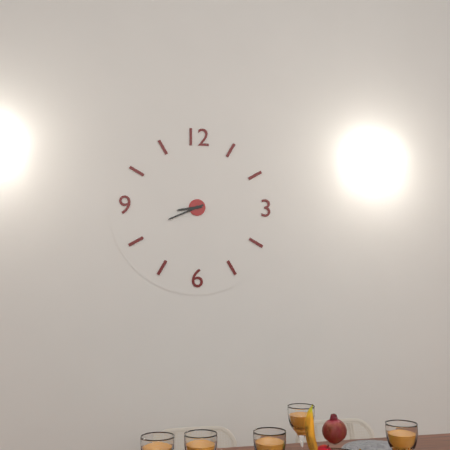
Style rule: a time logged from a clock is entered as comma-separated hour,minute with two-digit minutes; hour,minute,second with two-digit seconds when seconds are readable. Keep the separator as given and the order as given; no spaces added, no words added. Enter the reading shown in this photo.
8,41
